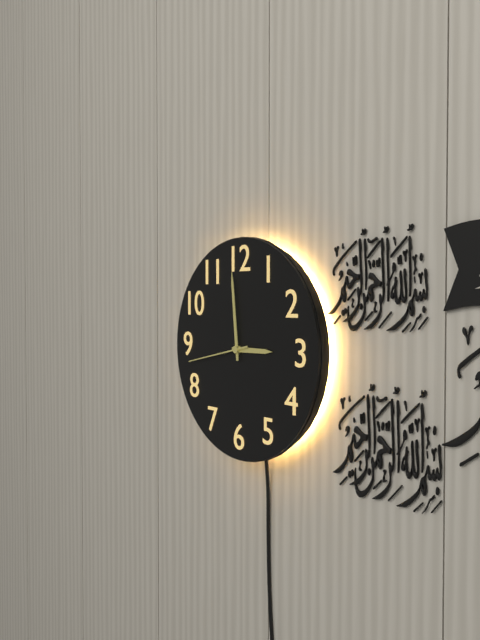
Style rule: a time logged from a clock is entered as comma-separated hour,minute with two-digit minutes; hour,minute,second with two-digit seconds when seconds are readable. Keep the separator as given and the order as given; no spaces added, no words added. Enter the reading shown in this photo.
2,59,43
